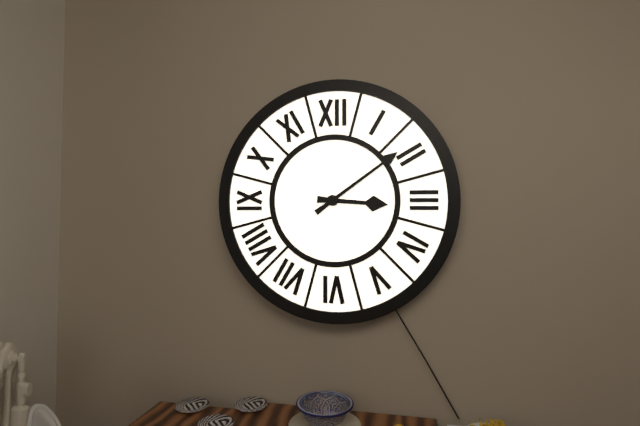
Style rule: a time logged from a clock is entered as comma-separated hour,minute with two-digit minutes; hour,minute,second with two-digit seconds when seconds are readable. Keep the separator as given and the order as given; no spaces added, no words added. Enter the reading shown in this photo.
3,09
